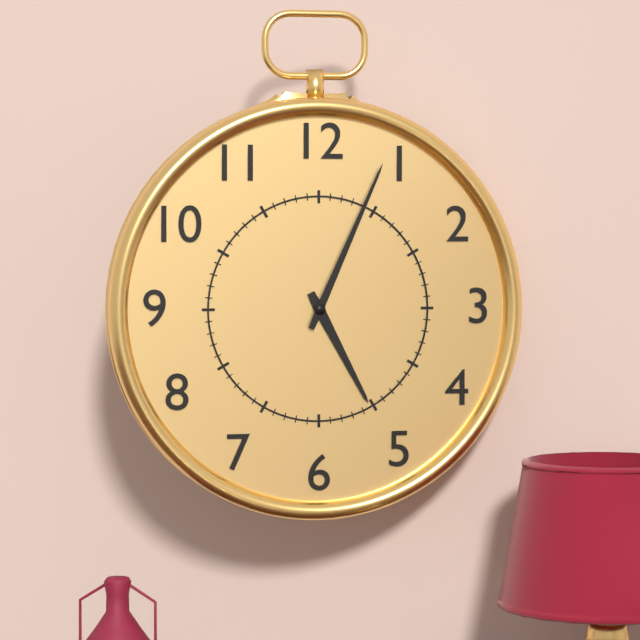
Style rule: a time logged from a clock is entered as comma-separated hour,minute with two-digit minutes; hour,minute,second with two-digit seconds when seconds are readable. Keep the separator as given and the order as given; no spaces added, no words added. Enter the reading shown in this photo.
5,04
